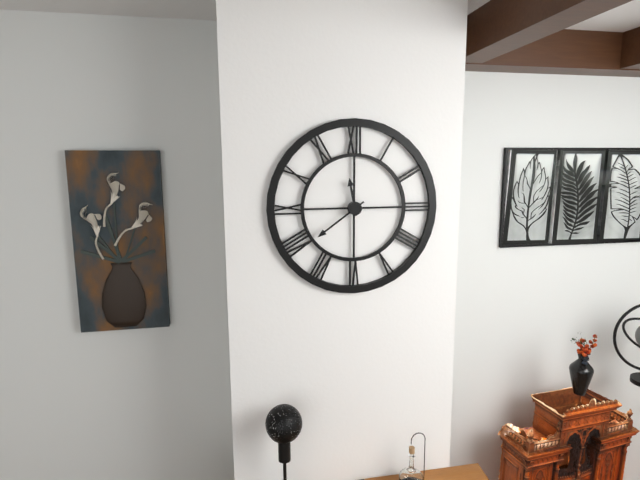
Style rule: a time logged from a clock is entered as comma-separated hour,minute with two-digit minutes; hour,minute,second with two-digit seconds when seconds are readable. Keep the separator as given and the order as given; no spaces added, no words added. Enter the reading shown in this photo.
11,39
